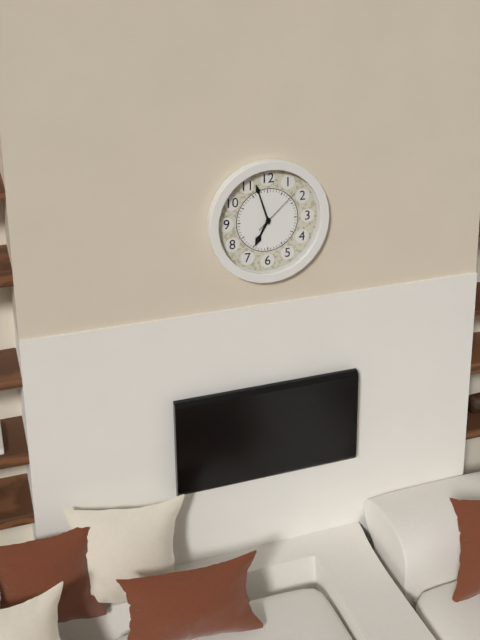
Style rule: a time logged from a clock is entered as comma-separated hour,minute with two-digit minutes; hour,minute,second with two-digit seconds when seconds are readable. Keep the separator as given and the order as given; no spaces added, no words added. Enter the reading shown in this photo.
6,57
